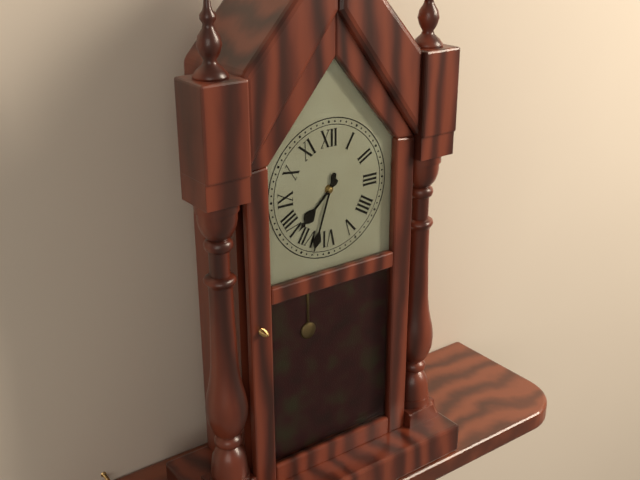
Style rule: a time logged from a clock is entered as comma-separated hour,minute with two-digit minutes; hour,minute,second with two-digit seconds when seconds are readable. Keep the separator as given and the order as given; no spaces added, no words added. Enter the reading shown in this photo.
7,33
